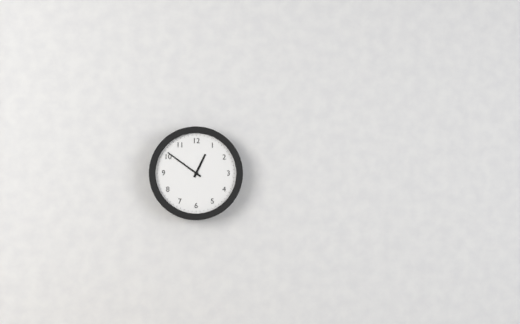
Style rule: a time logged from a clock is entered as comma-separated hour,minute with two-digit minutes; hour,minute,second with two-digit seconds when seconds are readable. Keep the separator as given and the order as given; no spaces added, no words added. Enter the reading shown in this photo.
12,51
